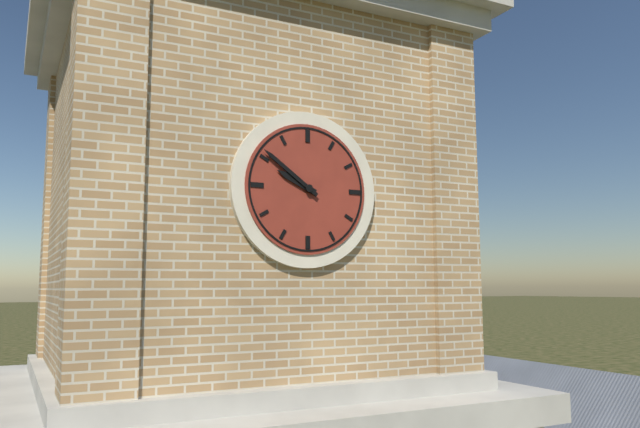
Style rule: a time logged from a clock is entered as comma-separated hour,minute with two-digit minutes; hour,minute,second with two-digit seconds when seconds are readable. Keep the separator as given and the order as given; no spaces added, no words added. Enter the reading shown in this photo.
9,51
